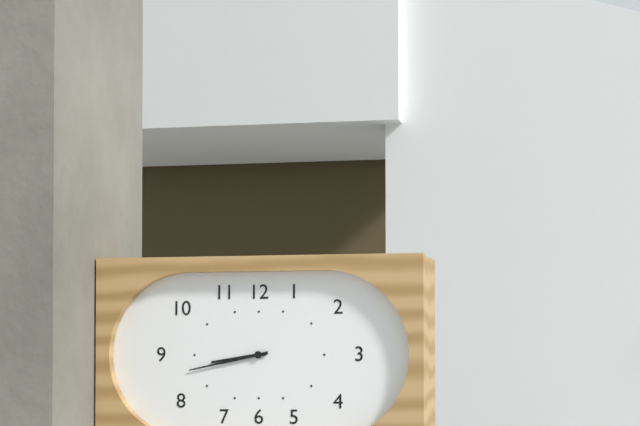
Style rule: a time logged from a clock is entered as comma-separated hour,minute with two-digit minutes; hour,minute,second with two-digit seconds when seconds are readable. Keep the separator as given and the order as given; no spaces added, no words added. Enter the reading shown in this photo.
8,43
